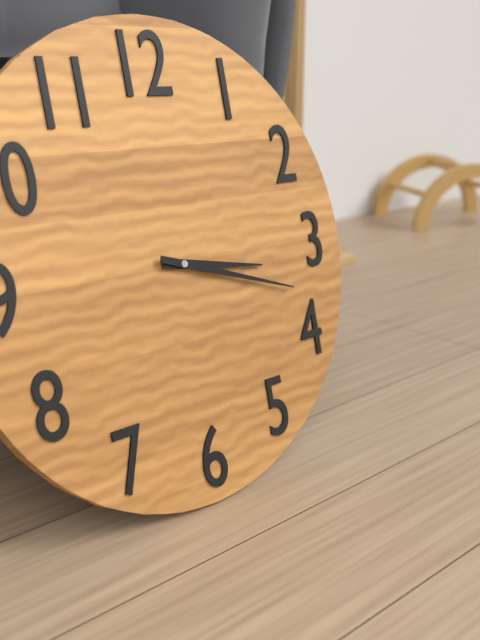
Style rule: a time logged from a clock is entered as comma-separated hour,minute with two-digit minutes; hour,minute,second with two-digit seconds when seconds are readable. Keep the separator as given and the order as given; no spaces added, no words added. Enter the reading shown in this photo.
3,18
